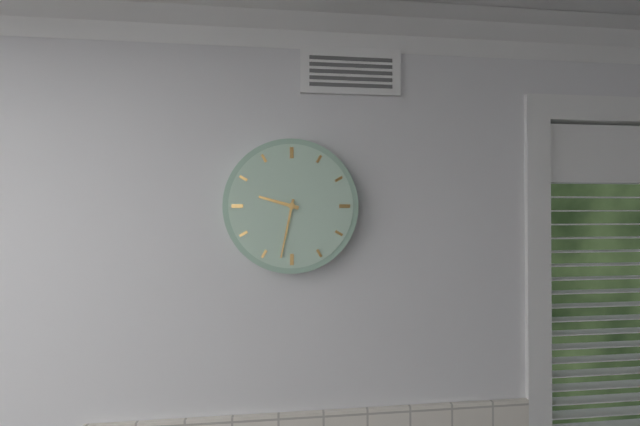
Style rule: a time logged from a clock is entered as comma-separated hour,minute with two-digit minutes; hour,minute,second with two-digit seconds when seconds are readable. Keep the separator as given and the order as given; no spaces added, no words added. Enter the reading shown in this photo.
9,32
